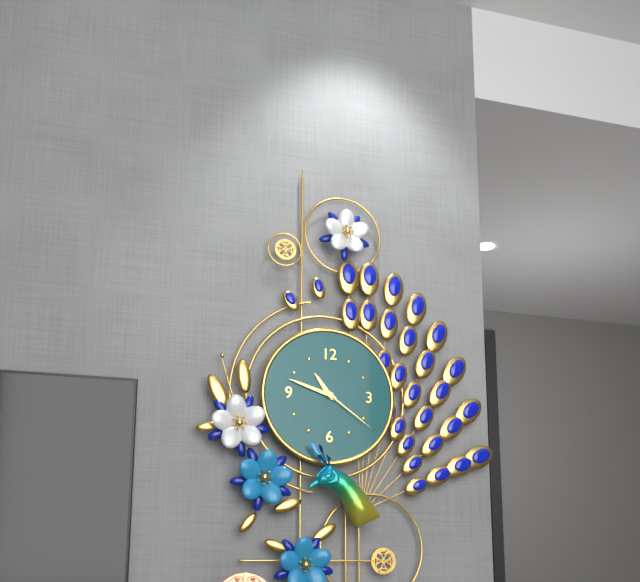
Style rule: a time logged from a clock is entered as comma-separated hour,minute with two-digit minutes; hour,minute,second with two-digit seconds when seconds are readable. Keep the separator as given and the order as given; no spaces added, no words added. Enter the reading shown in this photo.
10,48,21
